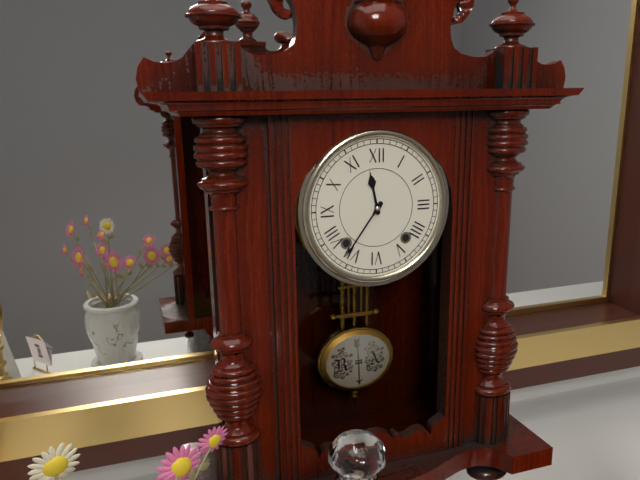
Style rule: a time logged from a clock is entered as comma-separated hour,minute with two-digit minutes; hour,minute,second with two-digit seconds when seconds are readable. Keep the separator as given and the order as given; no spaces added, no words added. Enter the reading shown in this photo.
11,36
